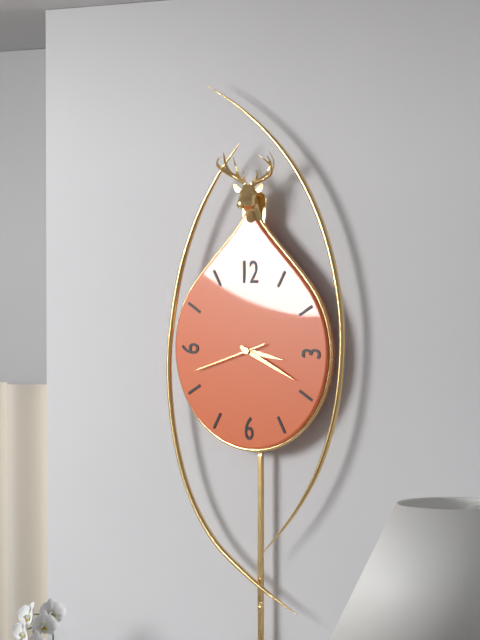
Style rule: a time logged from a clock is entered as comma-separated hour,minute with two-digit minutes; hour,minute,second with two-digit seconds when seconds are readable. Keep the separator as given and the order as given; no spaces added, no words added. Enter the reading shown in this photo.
3,19,42
